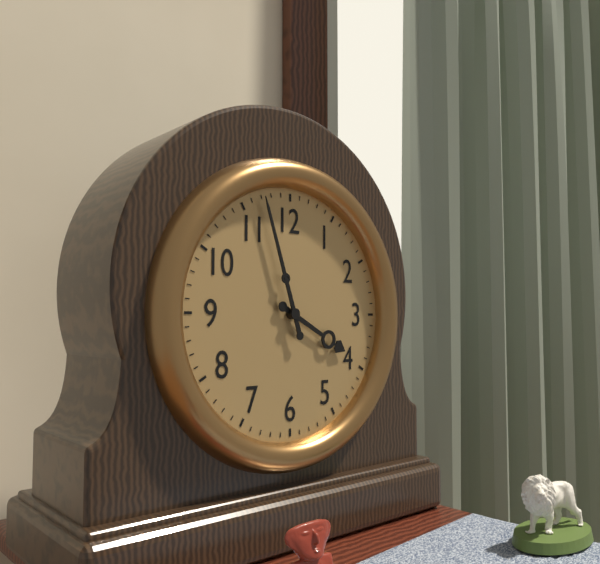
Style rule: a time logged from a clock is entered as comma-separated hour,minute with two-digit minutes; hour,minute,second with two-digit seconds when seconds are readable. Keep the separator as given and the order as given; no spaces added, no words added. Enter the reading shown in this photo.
3,57
